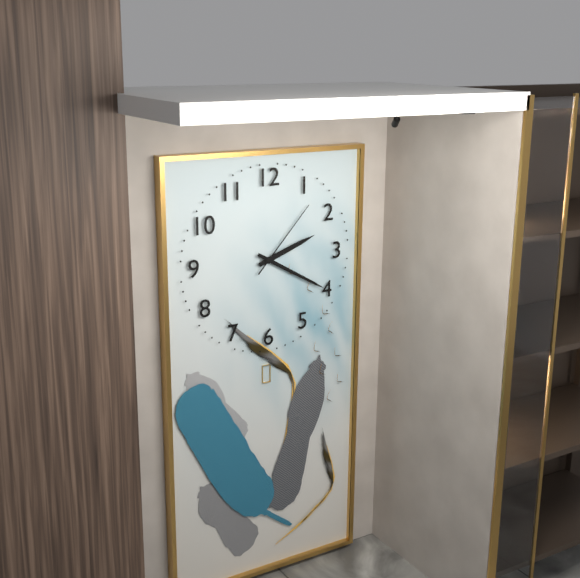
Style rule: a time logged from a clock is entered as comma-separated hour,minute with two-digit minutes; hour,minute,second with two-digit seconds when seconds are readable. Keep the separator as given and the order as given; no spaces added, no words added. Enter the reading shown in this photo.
2,20,07
